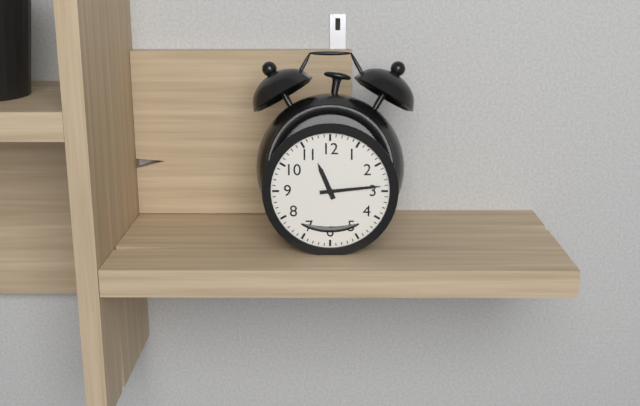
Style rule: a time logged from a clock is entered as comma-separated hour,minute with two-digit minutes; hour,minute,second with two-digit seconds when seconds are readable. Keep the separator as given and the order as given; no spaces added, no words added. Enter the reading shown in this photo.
11,14
